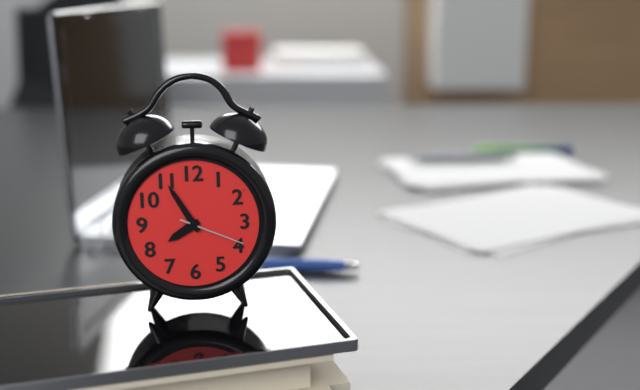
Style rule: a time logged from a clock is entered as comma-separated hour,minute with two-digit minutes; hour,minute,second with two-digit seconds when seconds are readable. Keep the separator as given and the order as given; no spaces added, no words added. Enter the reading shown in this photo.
7,55,19
